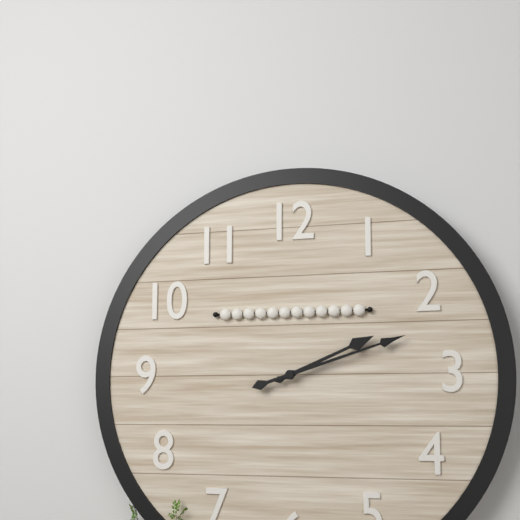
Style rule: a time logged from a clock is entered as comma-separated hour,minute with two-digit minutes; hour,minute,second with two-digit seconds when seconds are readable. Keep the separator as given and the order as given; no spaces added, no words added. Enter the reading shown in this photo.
2,12
